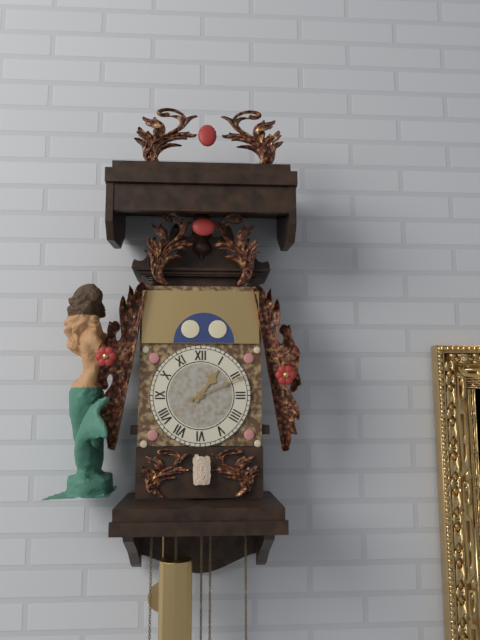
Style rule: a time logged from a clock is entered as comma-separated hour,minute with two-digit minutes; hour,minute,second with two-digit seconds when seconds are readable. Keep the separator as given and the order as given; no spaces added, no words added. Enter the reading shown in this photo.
1,11
